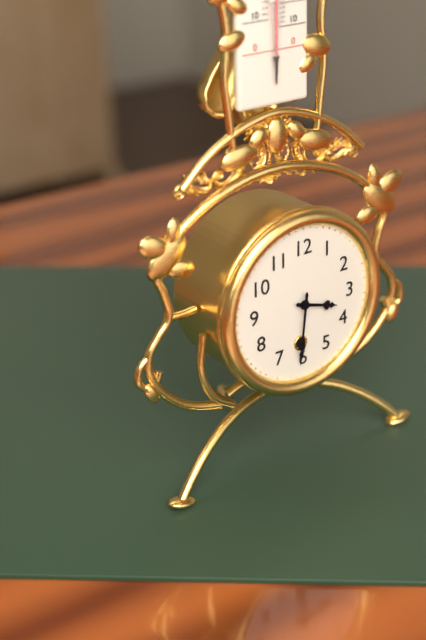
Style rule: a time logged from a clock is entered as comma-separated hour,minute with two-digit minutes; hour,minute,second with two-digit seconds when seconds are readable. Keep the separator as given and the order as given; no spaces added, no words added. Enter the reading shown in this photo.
3,31
